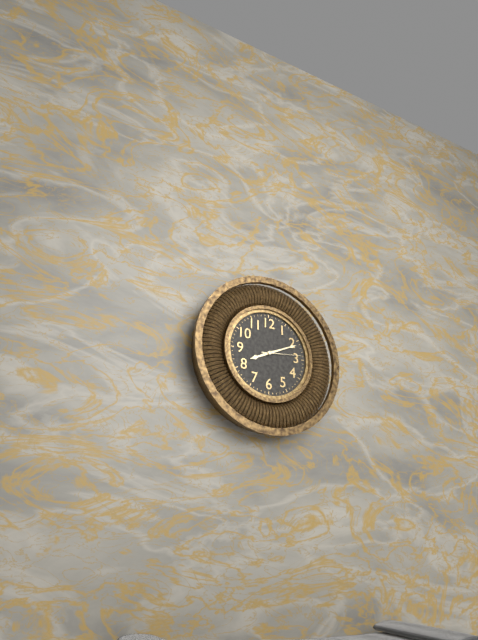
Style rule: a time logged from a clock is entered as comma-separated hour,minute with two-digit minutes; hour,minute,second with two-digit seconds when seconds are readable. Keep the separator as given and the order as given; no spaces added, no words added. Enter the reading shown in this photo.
8,11
